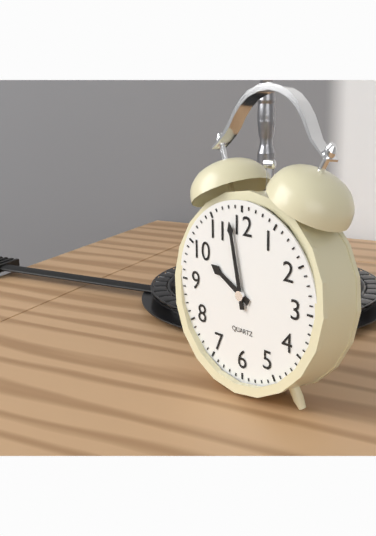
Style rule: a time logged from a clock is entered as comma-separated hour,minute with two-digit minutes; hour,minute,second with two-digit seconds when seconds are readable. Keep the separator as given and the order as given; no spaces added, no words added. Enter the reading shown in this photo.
9,58
